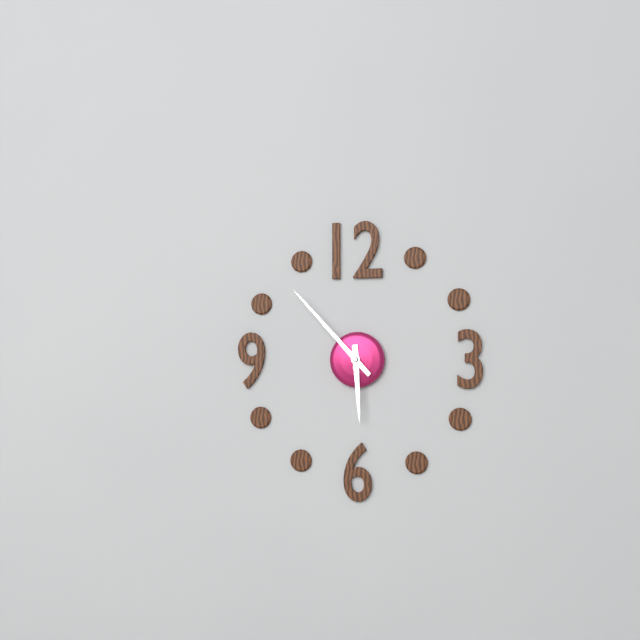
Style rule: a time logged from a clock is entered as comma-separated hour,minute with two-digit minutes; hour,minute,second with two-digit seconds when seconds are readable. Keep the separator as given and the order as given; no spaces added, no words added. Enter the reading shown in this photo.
5,53
